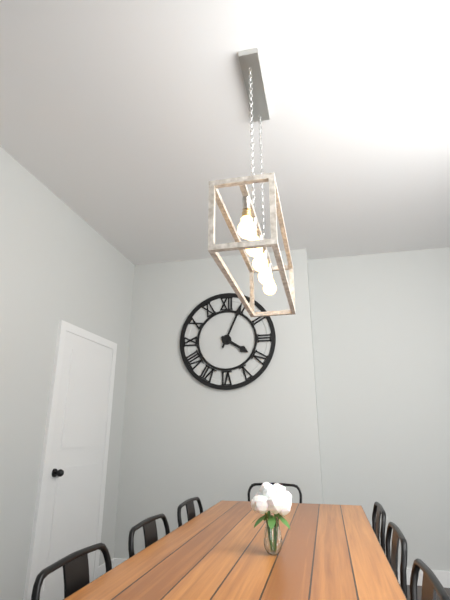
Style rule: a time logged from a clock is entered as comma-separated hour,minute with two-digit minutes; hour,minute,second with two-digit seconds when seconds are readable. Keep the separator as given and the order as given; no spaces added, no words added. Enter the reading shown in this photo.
4,04
